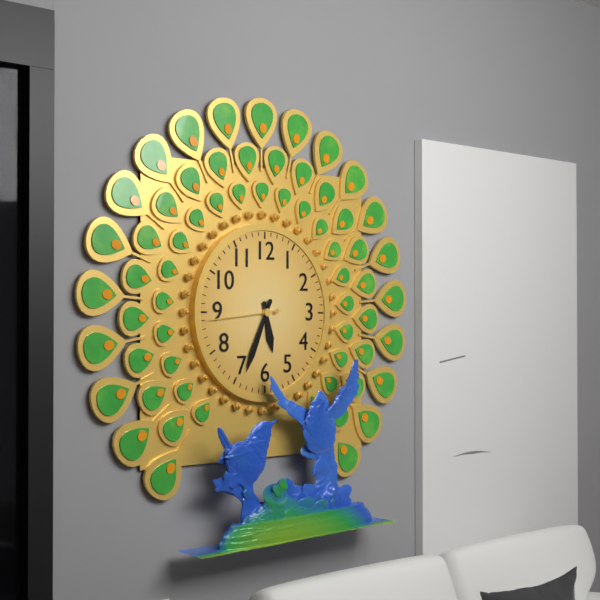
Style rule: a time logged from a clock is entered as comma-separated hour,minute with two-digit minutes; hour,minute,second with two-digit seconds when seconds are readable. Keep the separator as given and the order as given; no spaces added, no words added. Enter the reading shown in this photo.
5,34,44
